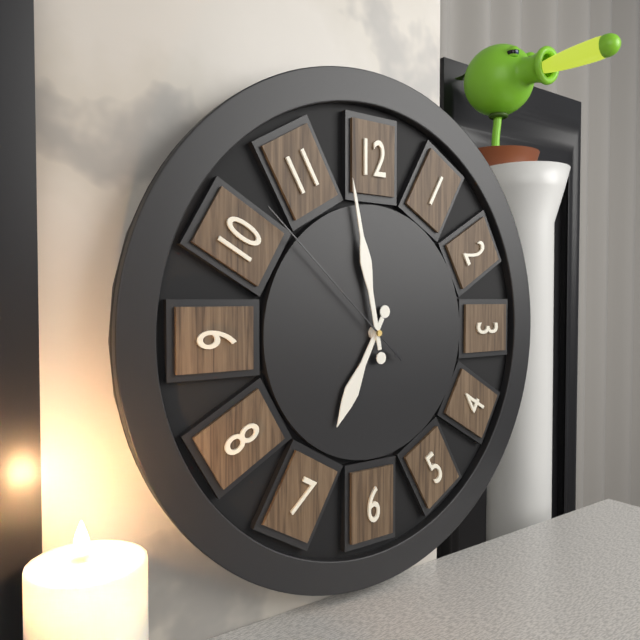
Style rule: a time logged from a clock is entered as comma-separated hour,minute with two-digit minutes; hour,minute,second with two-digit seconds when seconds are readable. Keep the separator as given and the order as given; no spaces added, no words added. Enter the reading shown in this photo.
6,58,52
